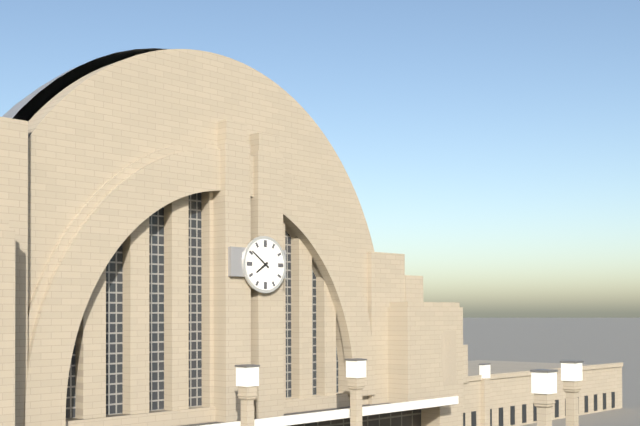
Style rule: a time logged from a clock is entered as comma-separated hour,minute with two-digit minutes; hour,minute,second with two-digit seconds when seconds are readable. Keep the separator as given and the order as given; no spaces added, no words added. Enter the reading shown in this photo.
7,51
